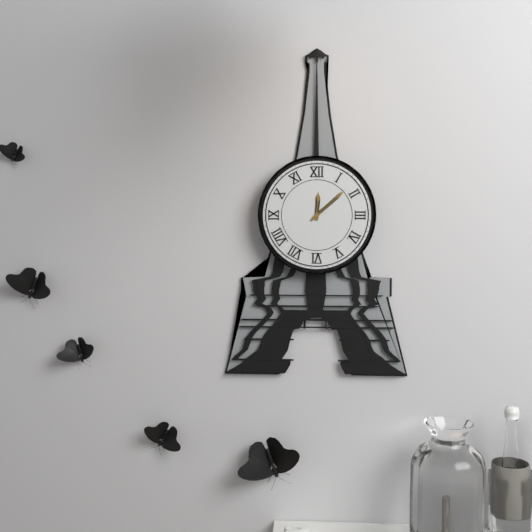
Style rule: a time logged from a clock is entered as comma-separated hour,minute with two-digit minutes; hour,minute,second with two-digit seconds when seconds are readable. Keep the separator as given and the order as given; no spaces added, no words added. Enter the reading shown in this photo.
12,08
